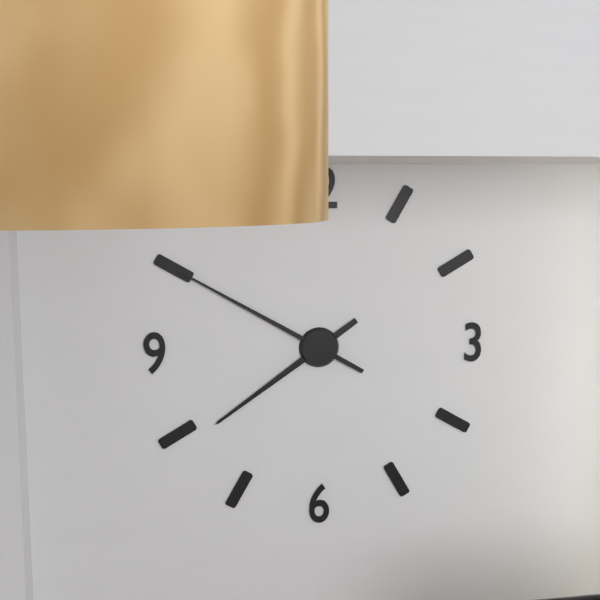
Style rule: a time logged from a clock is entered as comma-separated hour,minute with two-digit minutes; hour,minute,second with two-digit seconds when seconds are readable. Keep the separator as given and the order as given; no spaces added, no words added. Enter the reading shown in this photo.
7,50
